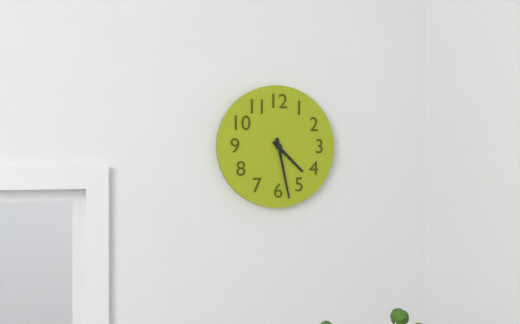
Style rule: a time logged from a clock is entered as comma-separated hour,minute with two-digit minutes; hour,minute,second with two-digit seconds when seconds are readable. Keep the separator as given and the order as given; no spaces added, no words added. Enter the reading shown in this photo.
4,28
